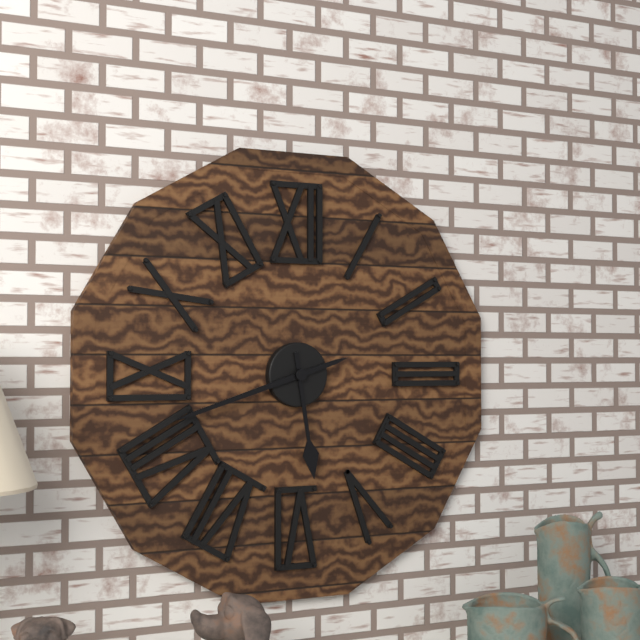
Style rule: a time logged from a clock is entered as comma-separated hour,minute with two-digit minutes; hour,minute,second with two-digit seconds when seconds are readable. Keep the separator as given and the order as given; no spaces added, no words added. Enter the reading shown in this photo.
5,42
